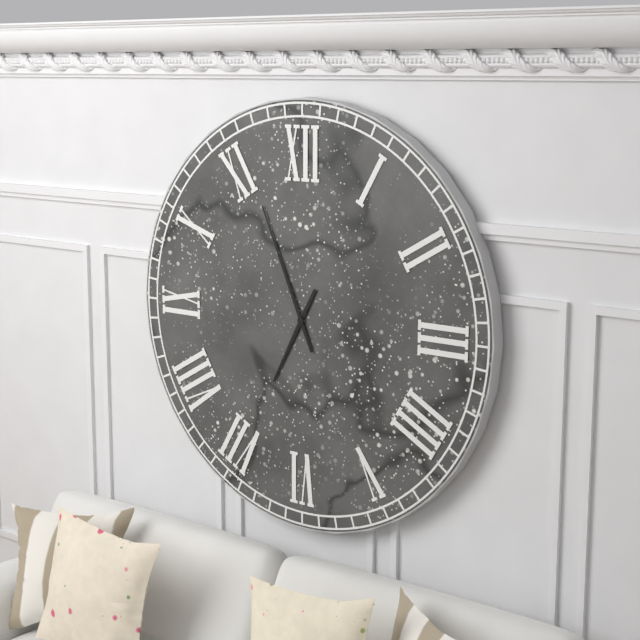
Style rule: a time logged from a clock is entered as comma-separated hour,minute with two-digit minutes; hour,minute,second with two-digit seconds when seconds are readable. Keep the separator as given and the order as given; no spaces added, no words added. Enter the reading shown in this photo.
6,56
